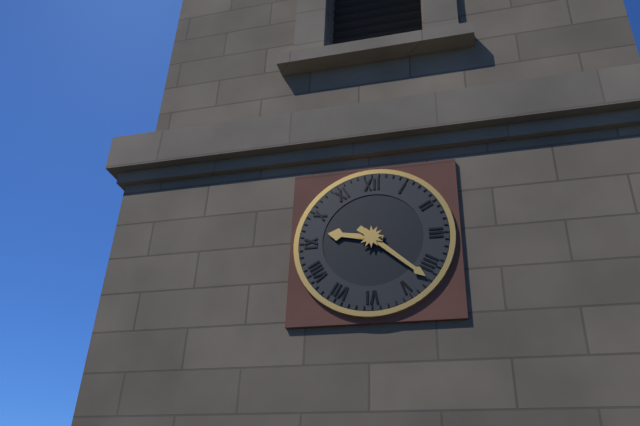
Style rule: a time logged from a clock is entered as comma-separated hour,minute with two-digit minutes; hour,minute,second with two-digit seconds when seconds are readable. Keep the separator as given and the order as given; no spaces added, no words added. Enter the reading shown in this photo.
9,22
